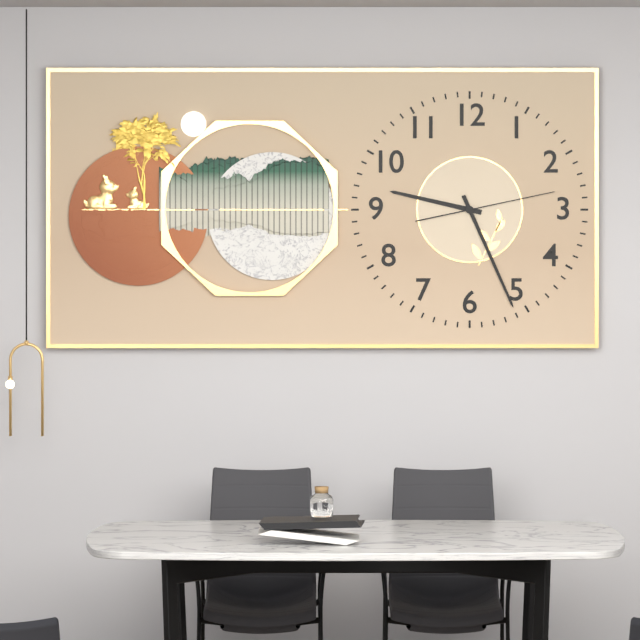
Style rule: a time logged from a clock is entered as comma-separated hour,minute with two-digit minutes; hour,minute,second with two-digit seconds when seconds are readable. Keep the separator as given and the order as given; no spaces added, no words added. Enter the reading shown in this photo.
9,26,13
